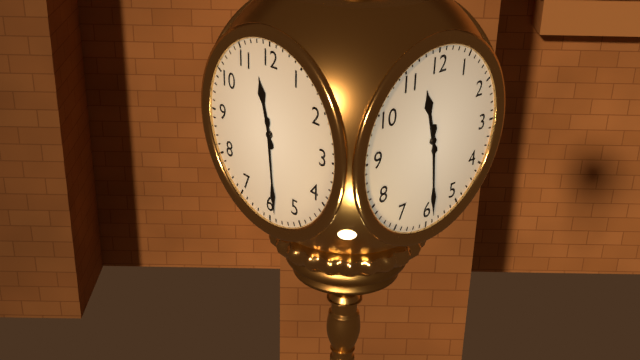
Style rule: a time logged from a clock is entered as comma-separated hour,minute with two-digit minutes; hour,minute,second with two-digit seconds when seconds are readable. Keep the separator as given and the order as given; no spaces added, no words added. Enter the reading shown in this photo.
11,29
